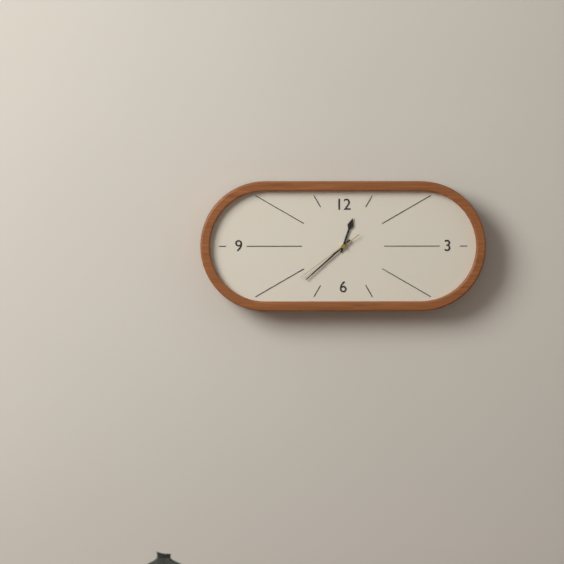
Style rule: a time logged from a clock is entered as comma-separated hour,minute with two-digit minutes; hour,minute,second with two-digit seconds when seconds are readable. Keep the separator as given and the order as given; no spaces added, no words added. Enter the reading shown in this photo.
12,38,39
